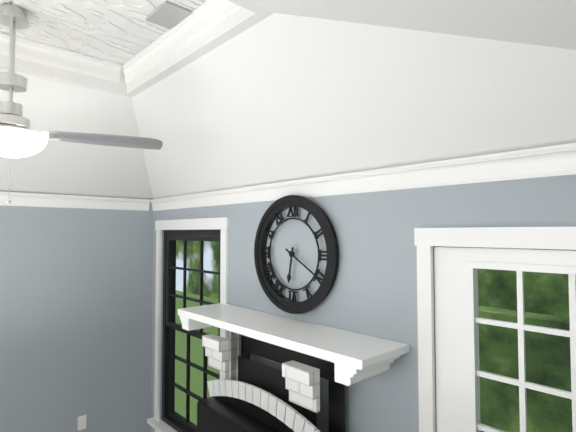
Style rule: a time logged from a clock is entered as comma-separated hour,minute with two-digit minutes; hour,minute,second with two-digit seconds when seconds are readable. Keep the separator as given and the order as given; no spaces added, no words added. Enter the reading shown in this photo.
6,20
